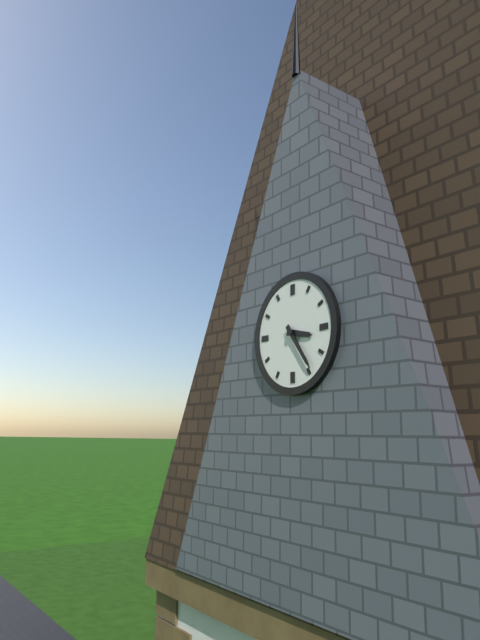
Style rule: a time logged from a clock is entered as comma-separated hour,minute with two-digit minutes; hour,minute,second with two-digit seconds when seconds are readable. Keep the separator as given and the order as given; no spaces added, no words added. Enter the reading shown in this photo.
3,24
